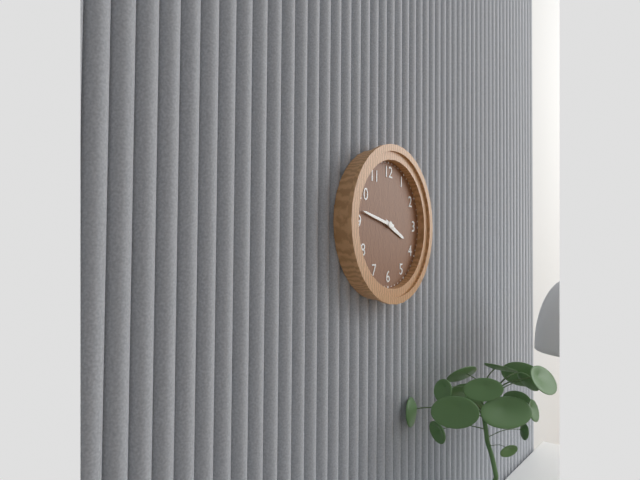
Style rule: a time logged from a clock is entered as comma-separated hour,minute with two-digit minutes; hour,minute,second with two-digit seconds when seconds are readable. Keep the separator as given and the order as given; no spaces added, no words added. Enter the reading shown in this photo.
3,47
